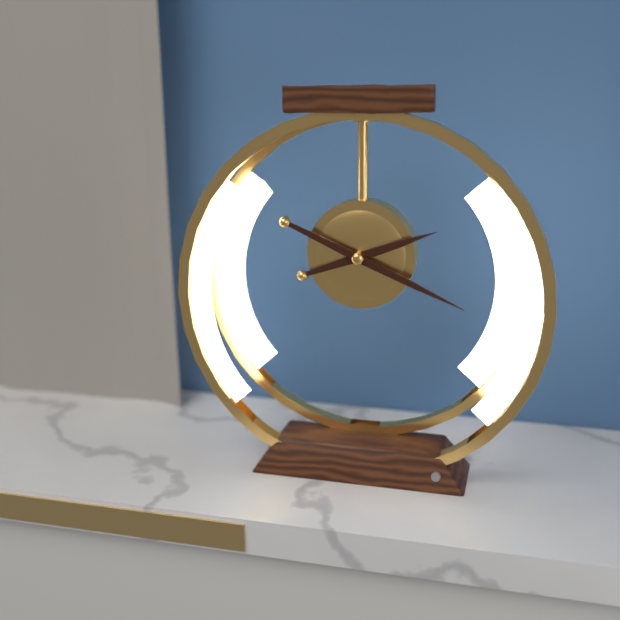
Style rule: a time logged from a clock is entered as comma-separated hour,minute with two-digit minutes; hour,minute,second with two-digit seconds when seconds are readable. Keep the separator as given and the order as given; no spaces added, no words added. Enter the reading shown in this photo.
2,19
